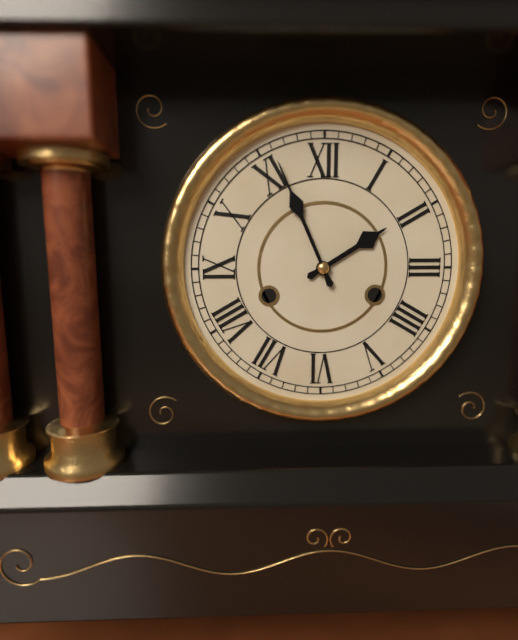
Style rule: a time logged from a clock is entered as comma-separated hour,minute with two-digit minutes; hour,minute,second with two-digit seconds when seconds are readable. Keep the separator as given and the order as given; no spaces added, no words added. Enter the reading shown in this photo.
1,56
